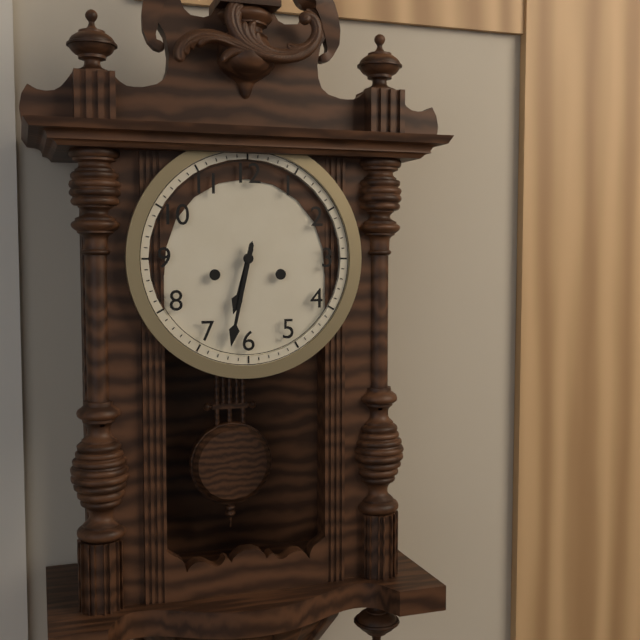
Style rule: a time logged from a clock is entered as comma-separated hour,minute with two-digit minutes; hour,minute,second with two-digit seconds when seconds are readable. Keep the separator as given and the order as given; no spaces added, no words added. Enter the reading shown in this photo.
6,32
